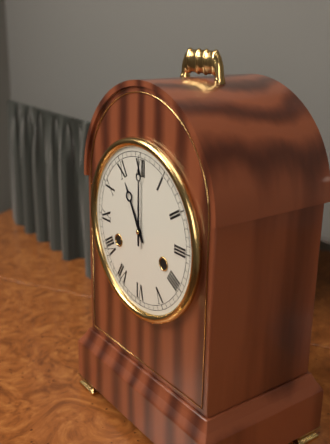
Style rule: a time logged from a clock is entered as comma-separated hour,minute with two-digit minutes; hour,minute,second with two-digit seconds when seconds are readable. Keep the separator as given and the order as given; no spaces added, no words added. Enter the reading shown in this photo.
11,00
